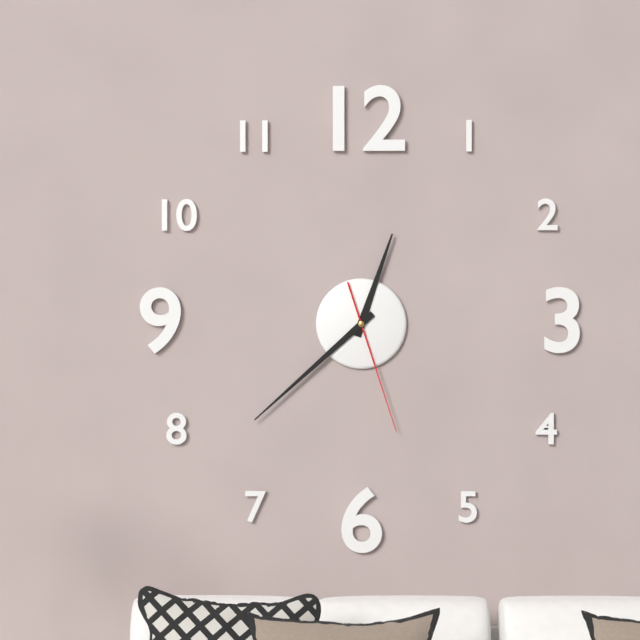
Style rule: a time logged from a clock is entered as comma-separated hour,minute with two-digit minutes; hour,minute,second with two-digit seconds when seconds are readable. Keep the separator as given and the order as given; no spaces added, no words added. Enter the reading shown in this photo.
12,38,27
